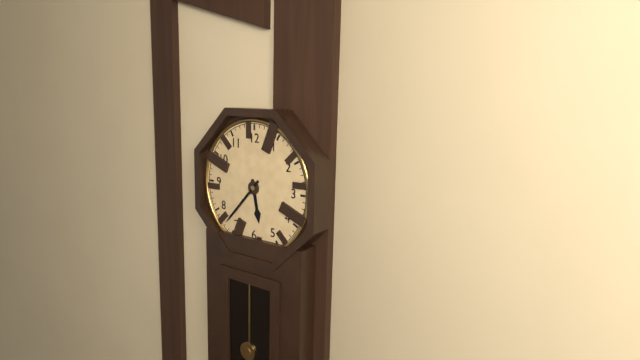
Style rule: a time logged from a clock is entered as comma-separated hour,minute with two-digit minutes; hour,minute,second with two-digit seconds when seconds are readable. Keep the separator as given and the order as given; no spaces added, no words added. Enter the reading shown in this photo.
5,37
